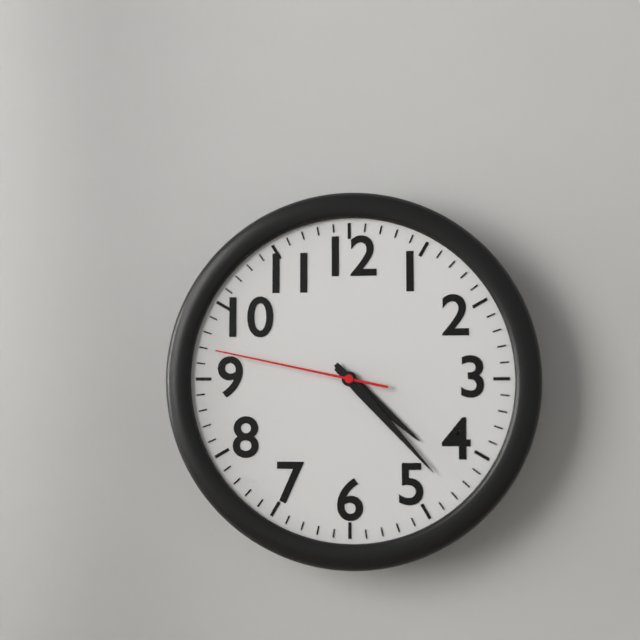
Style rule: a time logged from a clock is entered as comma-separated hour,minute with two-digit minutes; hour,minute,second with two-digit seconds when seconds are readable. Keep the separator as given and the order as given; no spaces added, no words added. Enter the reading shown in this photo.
4,23,47
